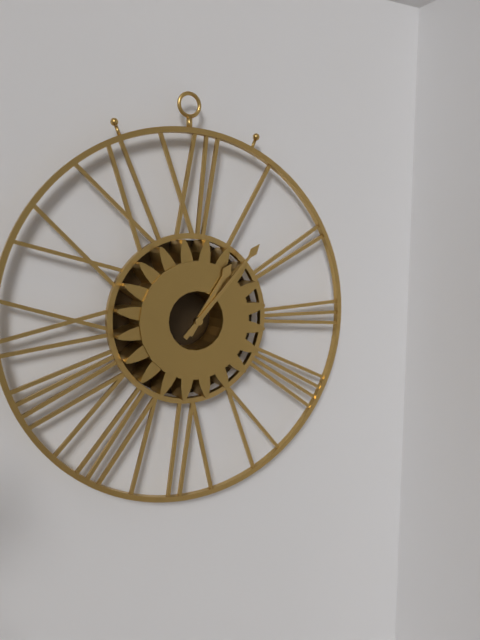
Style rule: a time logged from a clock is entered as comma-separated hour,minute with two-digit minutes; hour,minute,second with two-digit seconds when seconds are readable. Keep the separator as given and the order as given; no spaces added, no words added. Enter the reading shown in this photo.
1,07
